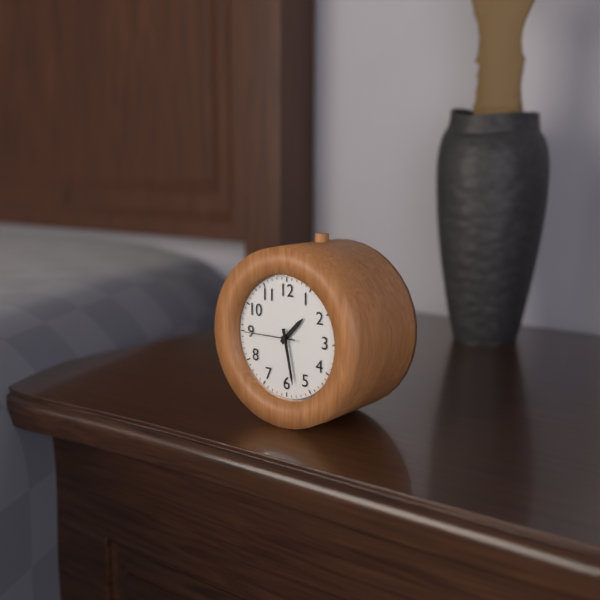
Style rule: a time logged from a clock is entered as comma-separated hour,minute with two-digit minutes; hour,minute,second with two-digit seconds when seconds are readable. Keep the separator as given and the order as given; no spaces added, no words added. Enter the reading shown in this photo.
1,28,45
